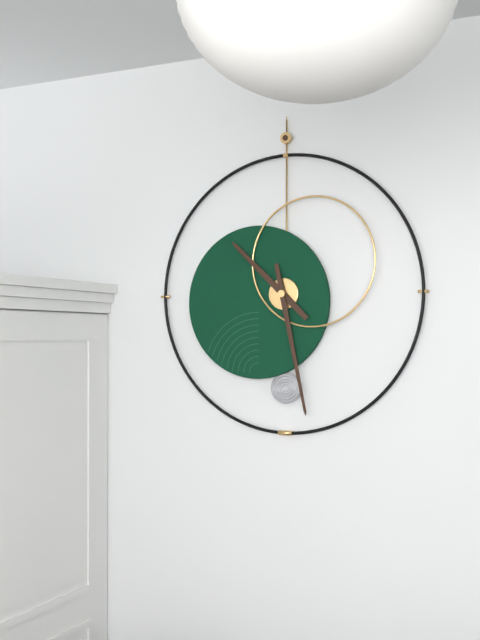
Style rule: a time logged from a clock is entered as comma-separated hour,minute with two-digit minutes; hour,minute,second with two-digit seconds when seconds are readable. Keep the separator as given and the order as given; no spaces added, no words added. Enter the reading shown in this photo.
10,28
